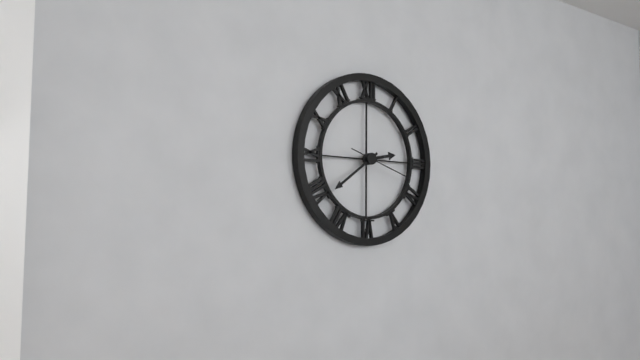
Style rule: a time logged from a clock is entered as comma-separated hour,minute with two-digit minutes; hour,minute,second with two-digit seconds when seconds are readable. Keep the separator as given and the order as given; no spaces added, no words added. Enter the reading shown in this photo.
2,39,18
